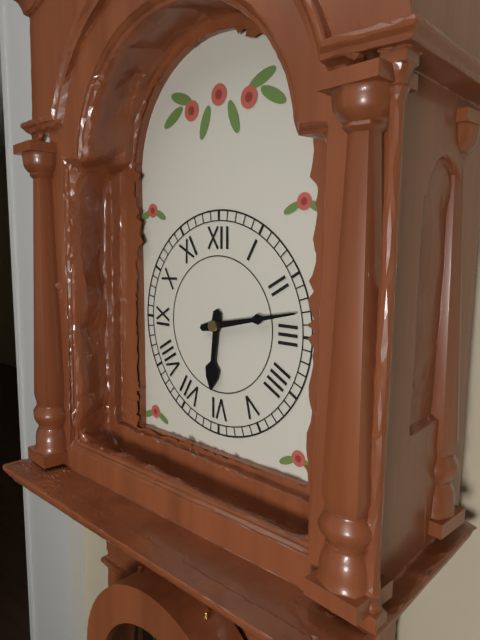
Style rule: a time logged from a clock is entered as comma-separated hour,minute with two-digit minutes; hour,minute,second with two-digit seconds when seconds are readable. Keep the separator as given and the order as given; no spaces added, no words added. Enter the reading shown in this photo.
6,13
